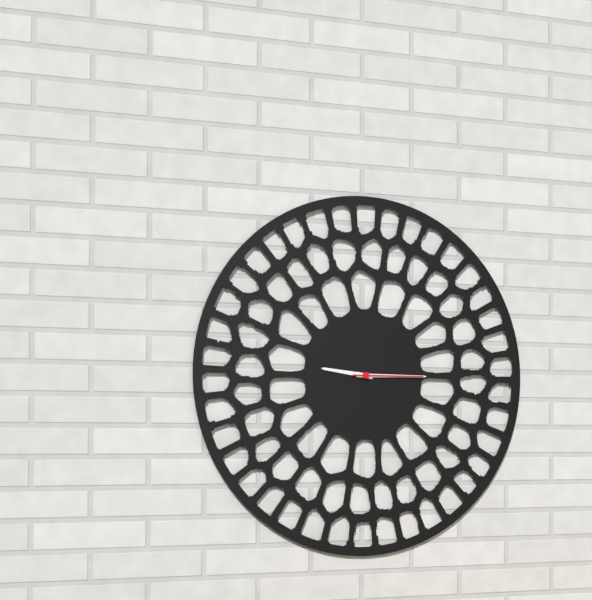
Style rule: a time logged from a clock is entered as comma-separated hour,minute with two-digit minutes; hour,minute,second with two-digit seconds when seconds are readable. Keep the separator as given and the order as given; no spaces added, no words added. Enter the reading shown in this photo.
9,15,15
